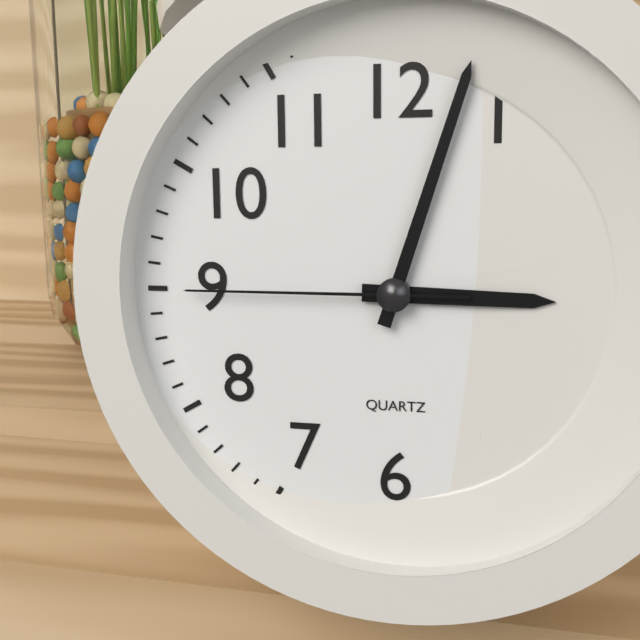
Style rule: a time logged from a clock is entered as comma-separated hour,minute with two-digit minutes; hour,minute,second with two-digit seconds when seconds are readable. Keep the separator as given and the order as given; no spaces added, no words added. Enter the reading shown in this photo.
3,03,45
